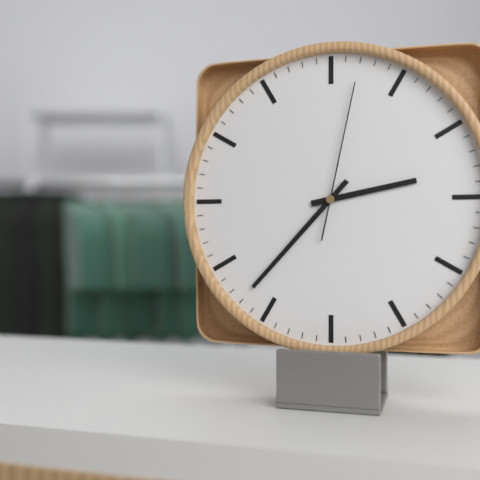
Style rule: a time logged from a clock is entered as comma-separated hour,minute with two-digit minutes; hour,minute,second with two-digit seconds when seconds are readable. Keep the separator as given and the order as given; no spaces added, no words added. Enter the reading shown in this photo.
2,37,02
